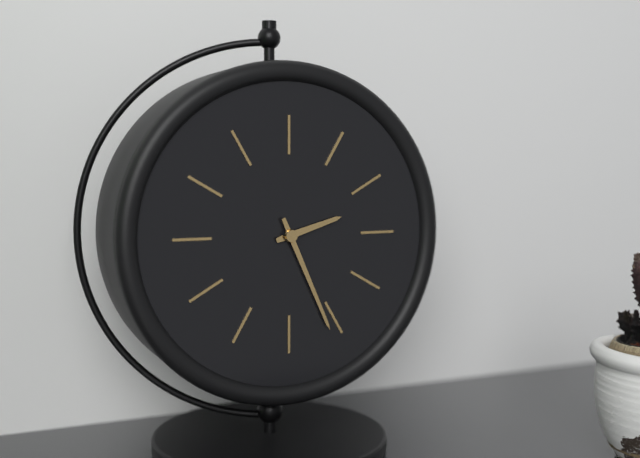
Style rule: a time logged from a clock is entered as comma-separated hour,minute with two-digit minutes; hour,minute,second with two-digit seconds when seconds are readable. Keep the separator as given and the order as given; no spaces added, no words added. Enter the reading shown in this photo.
2,26
